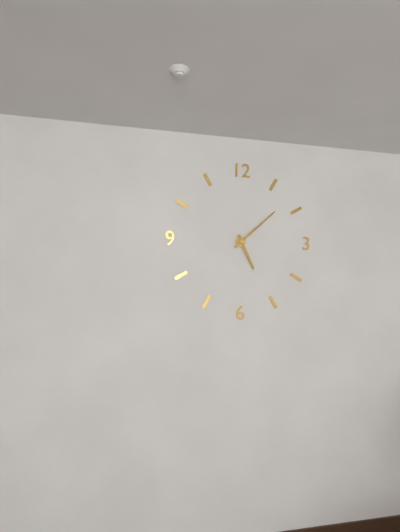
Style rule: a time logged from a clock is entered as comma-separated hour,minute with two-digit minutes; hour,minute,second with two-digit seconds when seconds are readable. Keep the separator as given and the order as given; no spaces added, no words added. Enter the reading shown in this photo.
5,08
